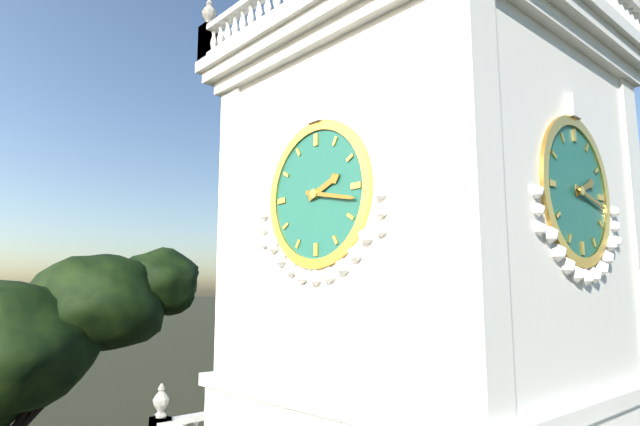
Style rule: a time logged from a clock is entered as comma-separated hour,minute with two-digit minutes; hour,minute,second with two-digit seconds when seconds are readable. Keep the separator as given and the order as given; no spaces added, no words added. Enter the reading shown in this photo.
2,17
